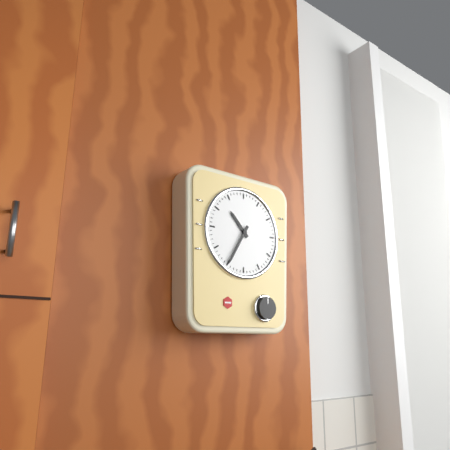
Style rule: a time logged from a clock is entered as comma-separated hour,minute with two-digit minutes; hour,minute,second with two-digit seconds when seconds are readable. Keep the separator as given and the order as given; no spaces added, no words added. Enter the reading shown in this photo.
10,35
